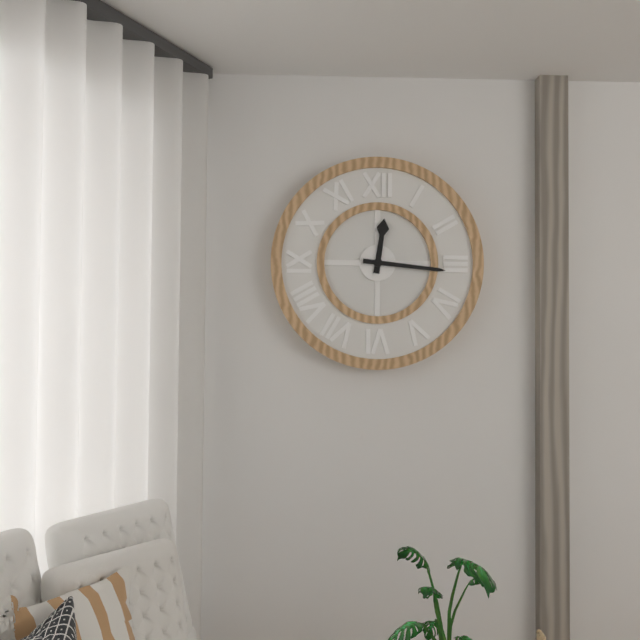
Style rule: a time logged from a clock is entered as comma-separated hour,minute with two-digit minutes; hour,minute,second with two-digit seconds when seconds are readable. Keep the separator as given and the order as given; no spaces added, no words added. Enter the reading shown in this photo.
12,16
